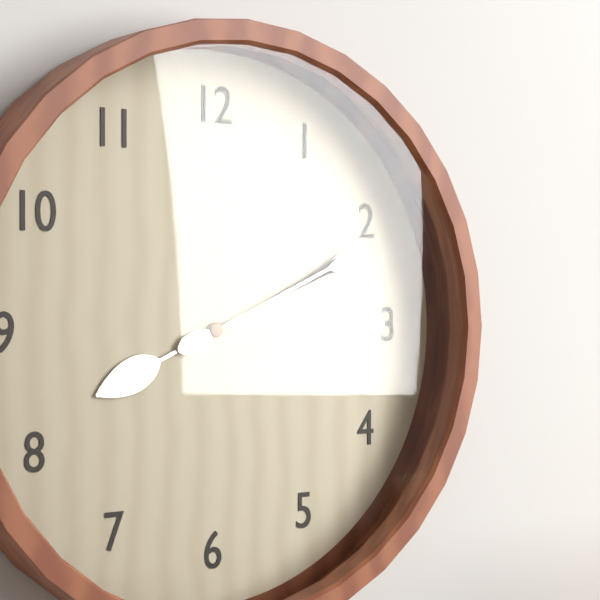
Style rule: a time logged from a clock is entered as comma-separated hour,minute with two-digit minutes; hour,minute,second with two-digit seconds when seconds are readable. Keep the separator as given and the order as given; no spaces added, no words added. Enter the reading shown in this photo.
8,11
